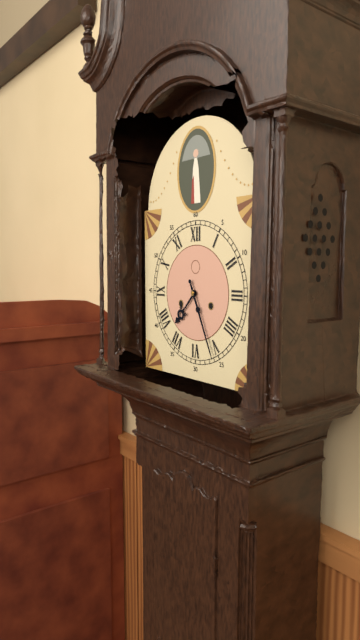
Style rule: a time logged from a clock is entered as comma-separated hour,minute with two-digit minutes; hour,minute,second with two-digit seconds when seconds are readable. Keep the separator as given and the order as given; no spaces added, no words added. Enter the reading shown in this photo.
7,26
